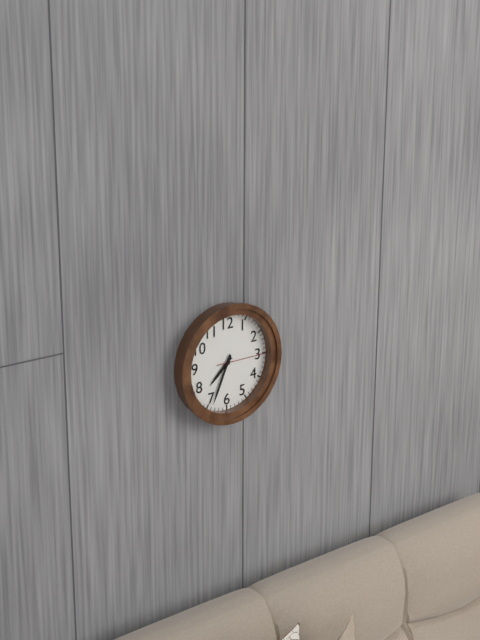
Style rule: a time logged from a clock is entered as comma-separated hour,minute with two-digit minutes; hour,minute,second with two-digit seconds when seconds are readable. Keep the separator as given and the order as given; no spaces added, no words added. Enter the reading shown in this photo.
7,34
